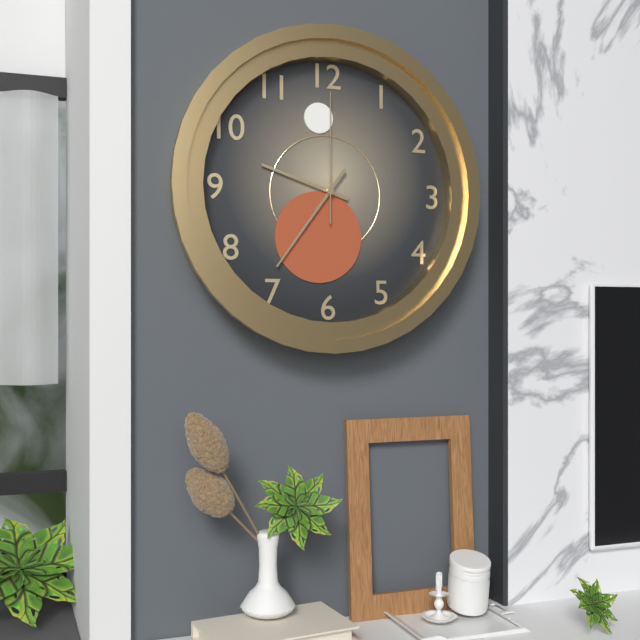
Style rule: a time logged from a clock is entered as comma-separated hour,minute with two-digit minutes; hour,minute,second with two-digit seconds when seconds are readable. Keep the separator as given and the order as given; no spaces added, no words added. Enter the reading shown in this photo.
9,36,00
